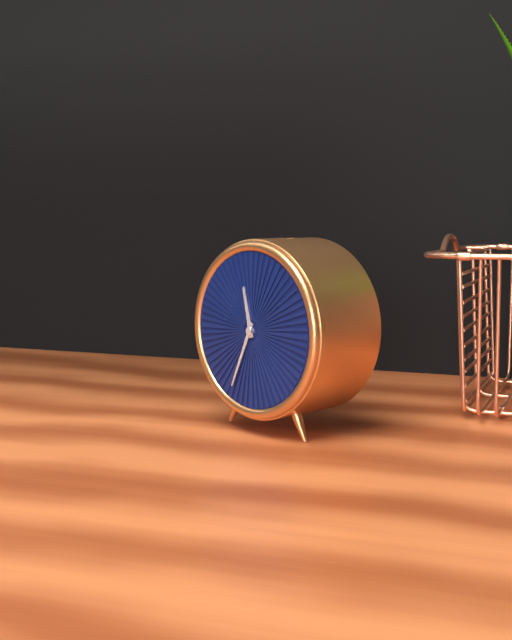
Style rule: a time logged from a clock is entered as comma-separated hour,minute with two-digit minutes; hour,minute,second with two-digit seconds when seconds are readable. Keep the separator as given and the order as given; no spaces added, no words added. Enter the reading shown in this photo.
11,34
